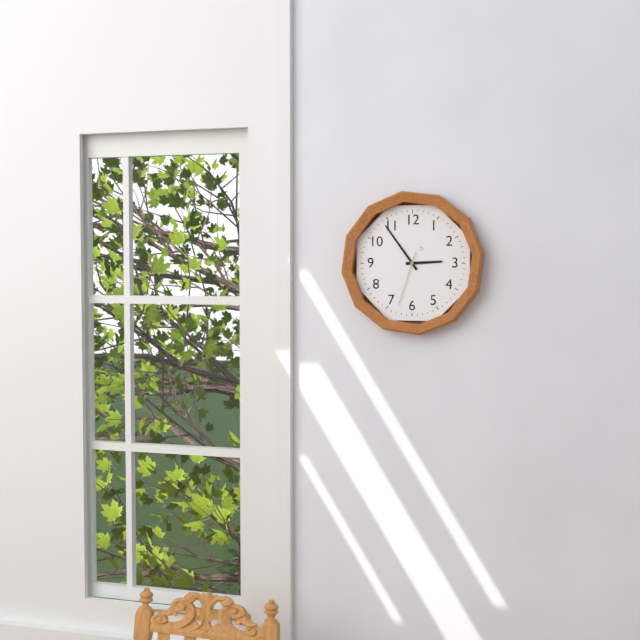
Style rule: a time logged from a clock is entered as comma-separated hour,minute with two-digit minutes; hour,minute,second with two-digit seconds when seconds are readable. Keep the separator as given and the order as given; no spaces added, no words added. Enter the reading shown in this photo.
2,54,33
